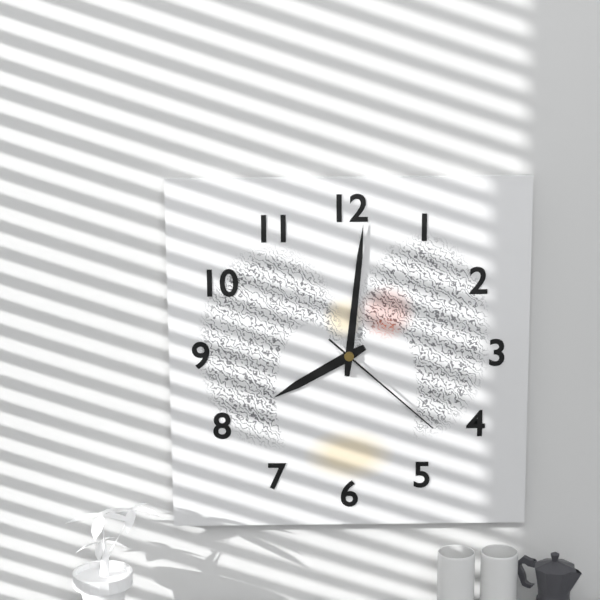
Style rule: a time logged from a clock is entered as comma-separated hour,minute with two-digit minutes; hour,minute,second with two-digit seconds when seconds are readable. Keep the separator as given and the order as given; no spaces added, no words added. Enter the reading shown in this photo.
8,01,22
